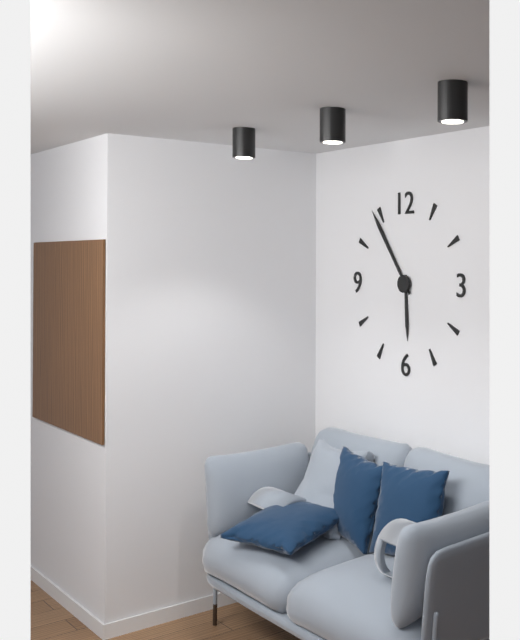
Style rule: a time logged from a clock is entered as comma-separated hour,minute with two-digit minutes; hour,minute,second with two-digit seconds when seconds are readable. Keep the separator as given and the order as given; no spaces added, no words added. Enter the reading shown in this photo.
5,54
